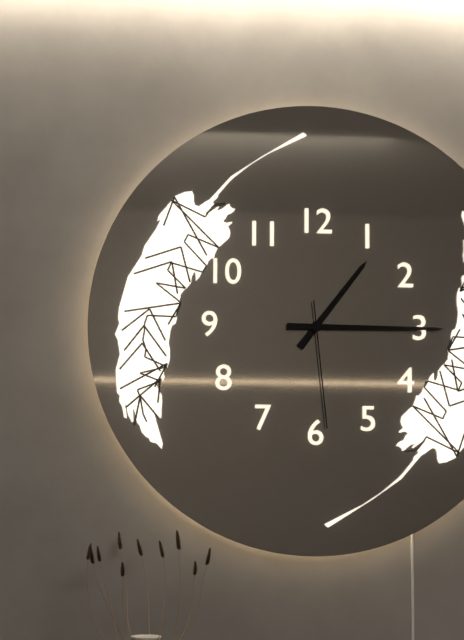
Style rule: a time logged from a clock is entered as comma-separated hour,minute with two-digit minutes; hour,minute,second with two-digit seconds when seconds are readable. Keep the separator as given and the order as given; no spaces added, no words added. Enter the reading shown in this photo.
1,15,29
